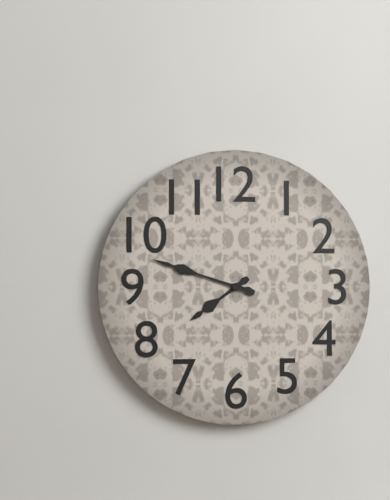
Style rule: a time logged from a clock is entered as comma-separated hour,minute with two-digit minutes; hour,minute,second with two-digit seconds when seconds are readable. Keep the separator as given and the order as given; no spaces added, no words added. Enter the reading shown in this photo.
7,48
